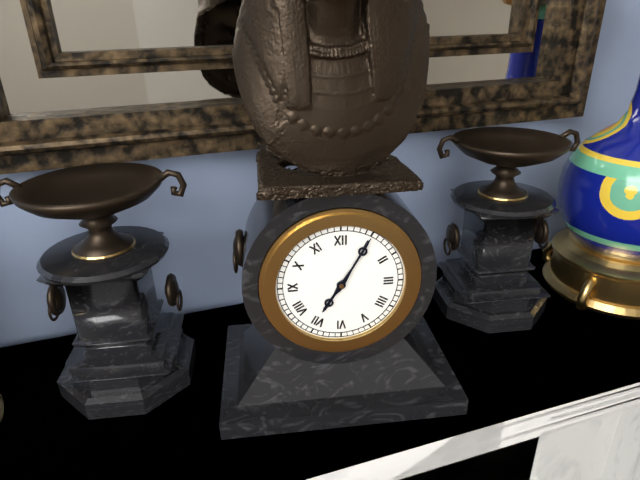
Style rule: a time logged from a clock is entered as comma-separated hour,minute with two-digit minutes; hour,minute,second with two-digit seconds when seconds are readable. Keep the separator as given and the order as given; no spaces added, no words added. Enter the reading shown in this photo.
7,05
